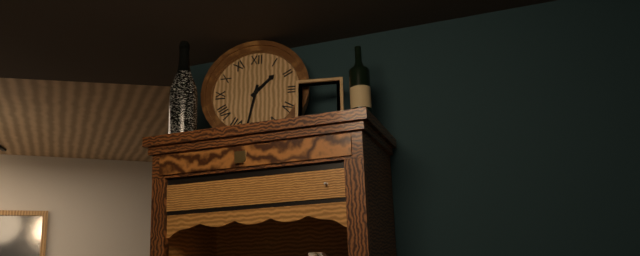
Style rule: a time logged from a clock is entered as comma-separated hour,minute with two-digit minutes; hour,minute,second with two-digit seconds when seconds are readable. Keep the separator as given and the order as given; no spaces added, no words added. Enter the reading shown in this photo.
1,32
